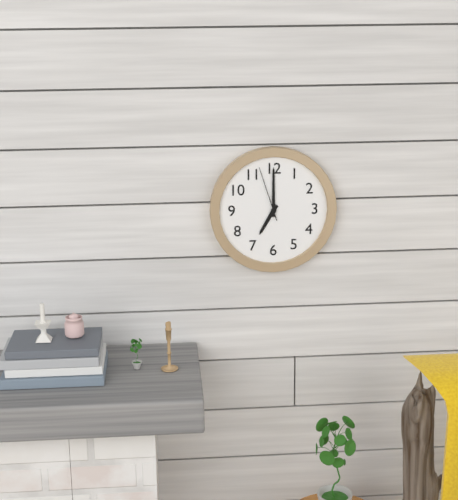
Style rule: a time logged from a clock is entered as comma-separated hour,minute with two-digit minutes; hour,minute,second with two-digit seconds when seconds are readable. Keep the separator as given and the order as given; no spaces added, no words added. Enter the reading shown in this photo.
7,00,57
